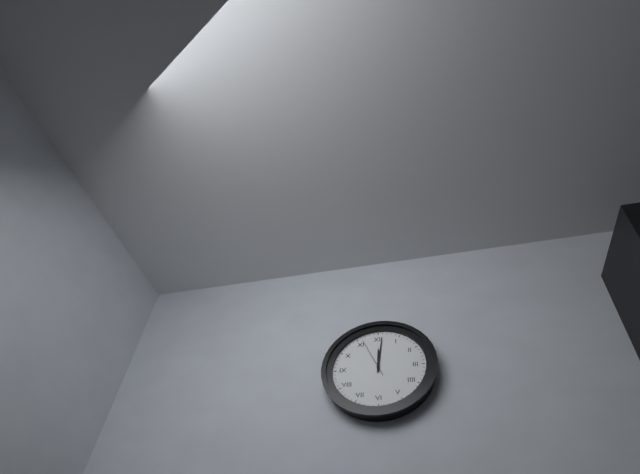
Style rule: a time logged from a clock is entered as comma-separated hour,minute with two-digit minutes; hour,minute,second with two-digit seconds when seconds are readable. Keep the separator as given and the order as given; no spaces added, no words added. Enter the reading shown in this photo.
12,01
